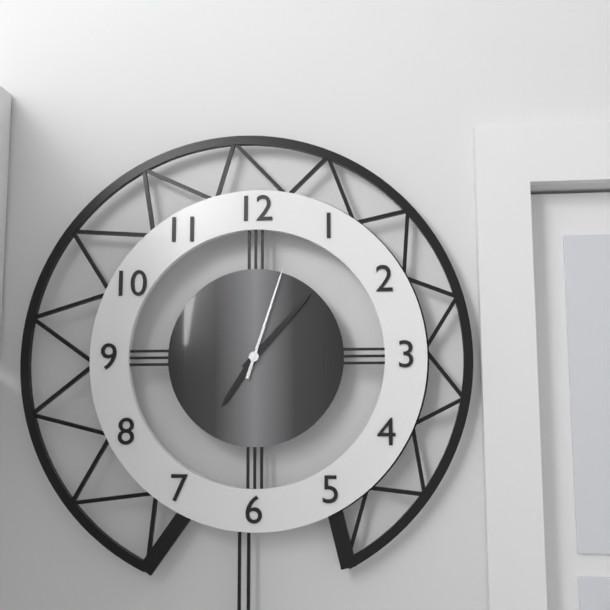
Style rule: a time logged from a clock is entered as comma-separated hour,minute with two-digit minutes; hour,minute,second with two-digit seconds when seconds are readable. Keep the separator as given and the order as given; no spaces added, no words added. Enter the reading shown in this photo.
7,07,03
